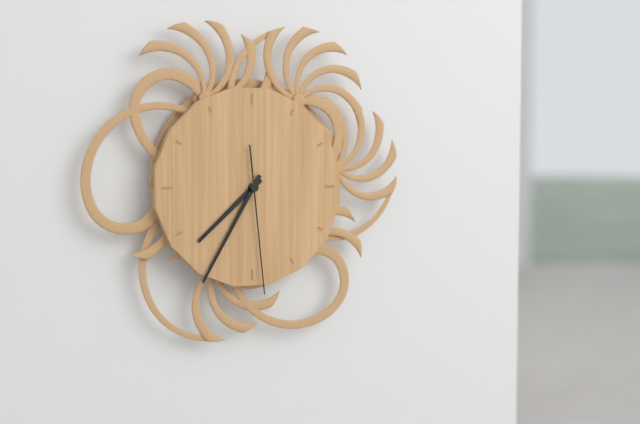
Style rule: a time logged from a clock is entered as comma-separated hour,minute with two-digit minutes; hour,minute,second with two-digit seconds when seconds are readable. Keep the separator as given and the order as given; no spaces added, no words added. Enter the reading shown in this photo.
7,35,29
